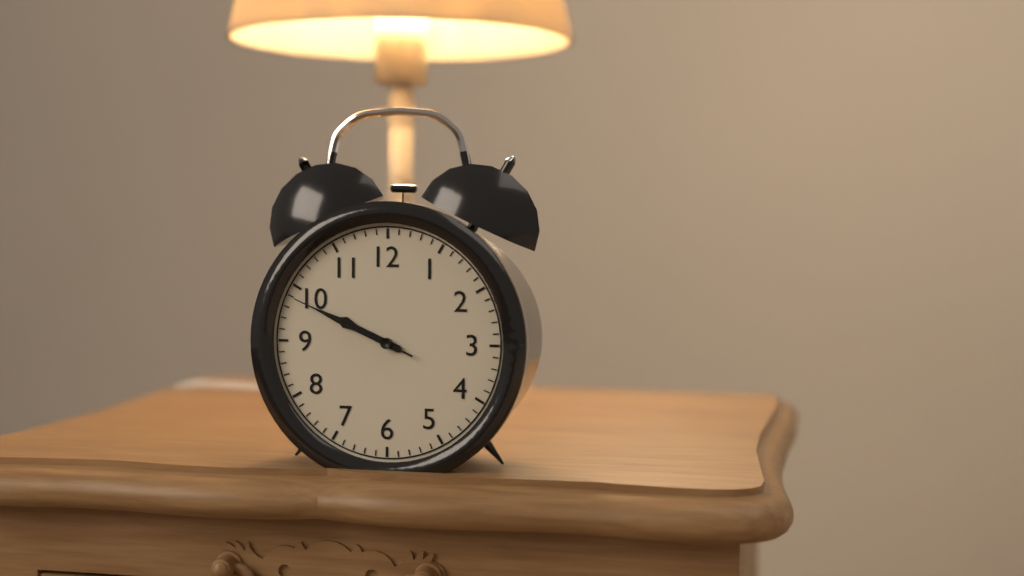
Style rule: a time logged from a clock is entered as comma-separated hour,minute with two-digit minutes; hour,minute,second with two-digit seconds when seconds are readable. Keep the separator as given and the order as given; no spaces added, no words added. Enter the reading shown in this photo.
9,49,49
